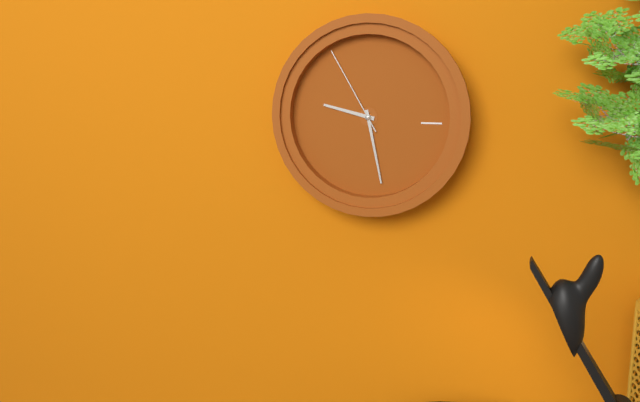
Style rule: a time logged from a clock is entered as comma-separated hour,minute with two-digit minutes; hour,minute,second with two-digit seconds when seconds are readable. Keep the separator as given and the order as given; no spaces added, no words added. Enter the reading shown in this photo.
9,28,55
